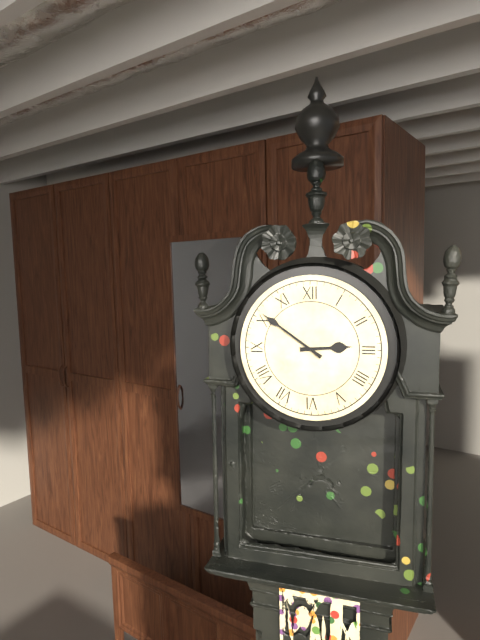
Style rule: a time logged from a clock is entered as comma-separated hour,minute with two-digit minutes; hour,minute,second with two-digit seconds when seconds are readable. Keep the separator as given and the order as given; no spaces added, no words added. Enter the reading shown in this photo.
2,51
